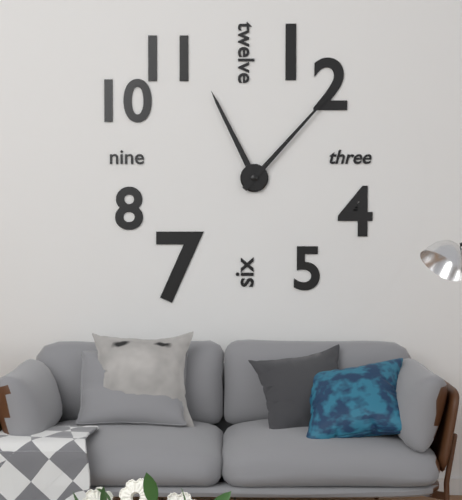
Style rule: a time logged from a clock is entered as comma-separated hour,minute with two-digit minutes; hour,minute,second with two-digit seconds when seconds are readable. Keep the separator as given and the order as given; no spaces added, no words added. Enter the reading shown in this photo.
11,07
